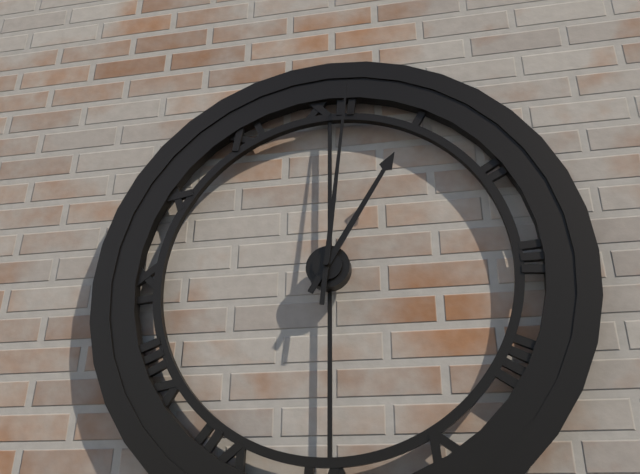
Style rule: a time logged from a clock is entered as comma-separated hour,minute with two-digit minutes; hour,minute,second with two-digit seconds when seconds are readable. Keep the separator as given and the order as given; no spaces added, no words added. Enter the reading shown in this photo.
1,01
